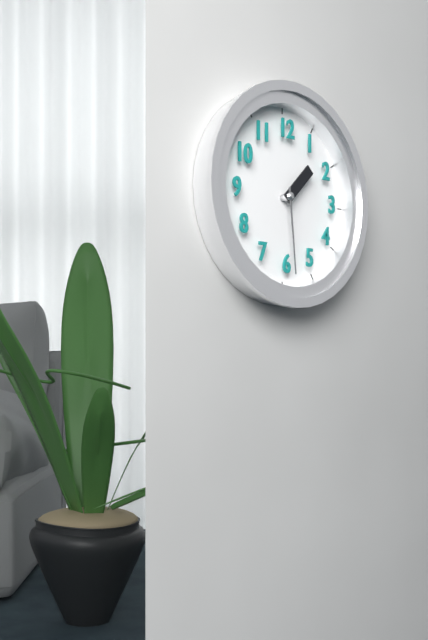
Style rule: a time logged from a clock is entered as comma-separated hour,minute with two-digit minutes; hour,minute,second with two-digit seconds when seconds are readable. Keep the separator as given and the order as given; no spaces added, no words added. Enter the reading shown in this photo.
1,29
